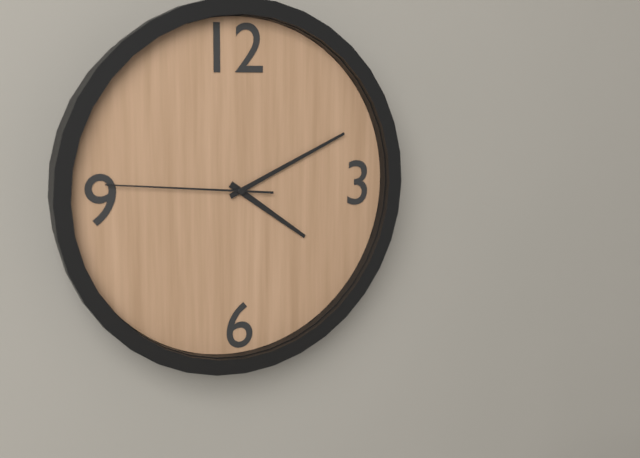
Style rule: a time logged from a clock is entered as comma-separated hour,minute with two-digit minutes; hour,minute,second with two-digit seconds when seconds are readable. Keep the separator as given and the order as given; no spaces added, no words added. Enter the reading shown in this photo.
4,11,46
